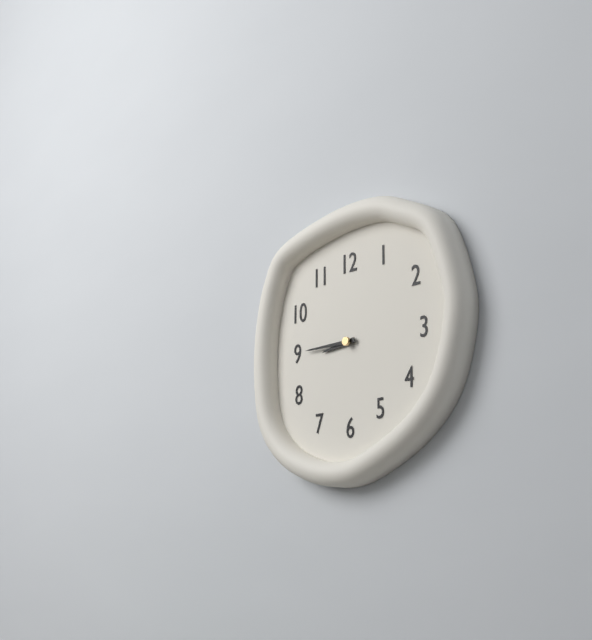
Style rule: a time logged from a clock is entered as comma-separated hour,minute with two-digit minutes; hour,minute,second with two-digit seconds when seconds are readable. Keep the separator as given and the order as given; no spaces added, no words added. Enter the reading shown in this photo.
8,45
